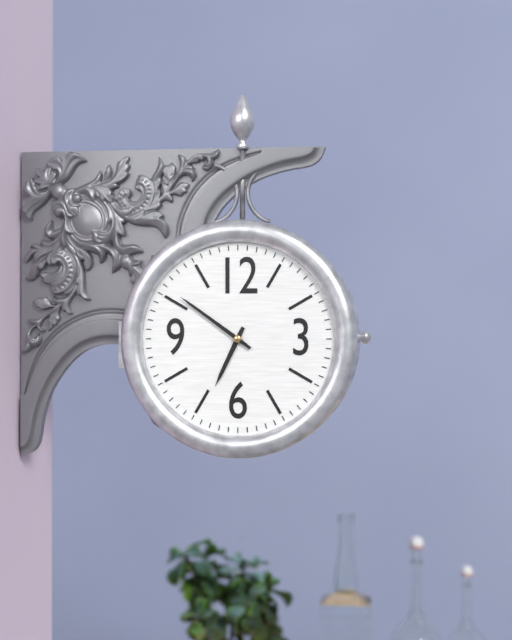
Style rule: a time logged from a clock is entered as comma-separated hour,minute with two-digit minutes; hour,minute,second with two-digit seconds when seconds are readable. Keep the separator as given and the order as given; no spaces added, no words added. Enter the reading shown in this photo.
6,51
